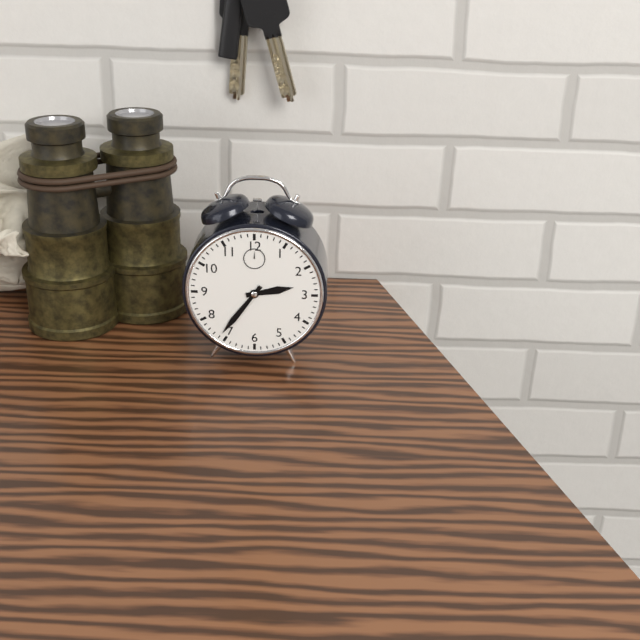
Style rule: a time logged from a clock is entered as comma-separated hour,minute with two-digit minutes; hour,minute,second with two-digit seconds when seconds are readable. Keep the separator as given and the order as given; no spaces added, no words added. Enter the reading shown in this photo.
2,36
